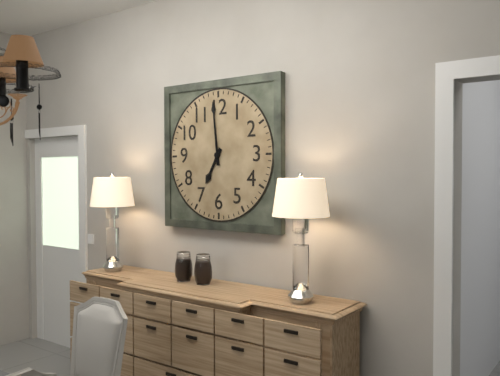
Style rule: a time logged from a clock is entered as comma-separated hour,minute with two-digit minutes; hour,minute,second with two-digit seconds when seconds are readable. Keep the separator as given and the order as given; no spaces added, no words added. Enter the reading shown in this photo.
6,59
